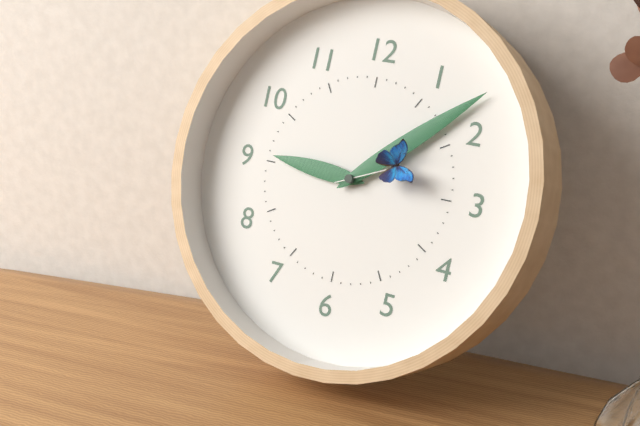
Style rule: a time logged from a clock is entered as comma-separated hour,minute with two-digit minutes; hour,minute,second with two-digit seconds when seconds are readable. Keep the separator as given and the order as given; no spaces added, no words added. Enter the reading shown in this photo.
9,08,11
